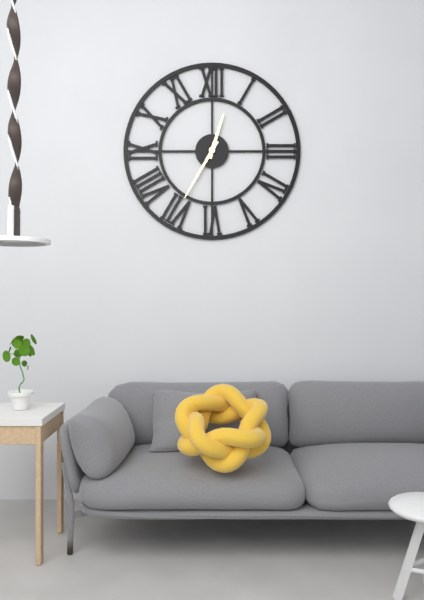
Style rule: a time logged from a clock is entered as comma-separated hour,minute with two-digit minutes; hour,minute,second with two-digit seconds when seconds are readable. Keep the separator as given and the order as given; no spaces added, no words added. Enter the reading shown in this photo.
12,35
